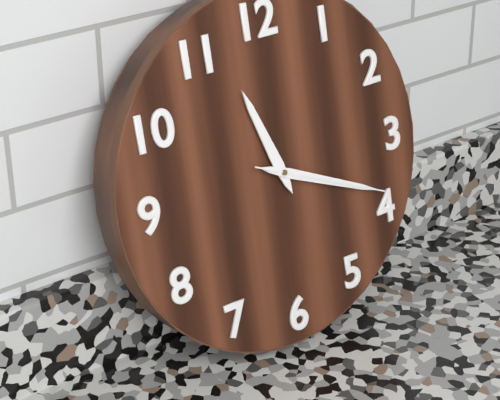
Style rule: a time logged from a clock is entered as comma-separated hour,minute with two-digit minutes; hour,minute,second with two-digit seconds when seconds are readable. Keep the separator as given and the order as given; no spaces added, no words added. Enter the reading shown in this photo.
11,19,19
